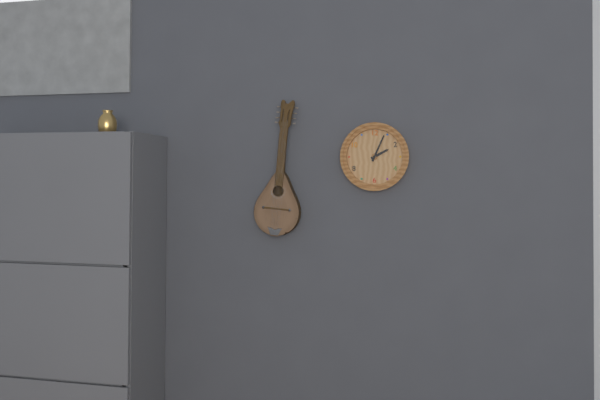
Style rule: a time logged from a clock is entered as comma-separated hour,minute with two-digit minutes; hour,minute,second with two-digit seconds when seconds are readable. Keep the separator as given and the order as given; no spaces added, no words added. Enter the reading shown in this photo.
2,04
